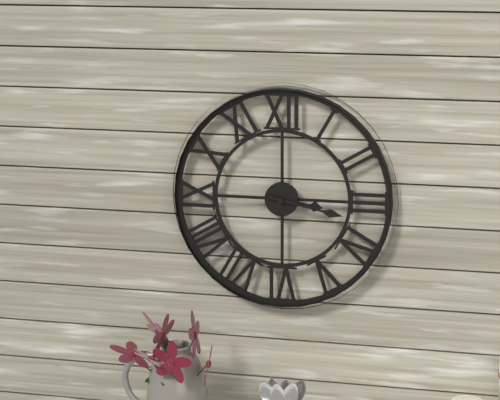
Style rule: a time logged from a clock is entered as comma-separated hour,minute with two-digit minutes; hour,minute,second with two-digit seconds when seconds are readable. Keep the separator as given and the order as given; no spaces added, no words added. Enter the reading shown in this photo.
3,17
